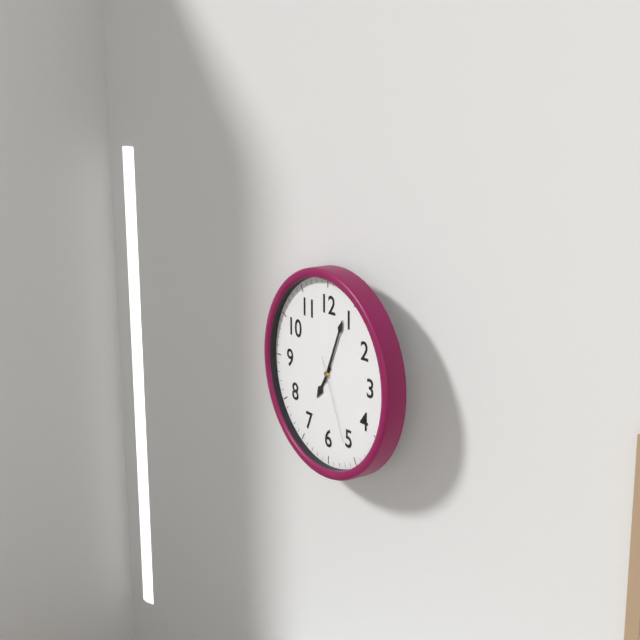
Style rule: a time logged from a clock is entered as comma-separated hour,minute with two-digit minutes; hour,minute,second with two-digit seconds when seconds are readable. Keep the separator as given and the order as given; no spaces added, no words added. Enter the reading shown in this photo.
7,04,26
